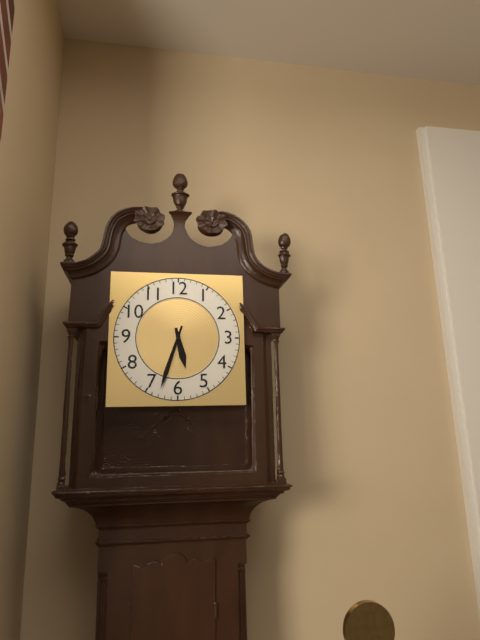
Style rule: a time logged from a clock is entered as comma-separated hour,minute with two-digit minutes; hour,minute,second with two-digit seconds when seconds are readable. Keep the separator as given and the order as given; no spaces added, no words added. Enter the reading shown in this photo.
5,33
